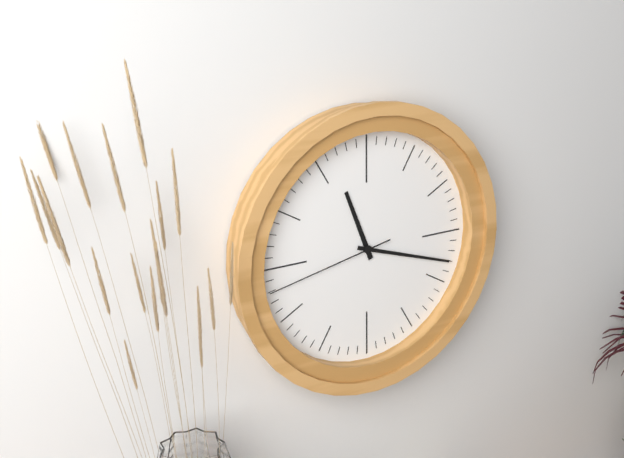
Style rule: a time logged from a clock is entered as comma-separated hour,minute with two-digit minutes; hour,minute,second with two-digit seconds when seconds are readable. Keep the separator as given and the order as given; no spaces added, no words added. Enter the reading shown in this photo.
11,18,43
